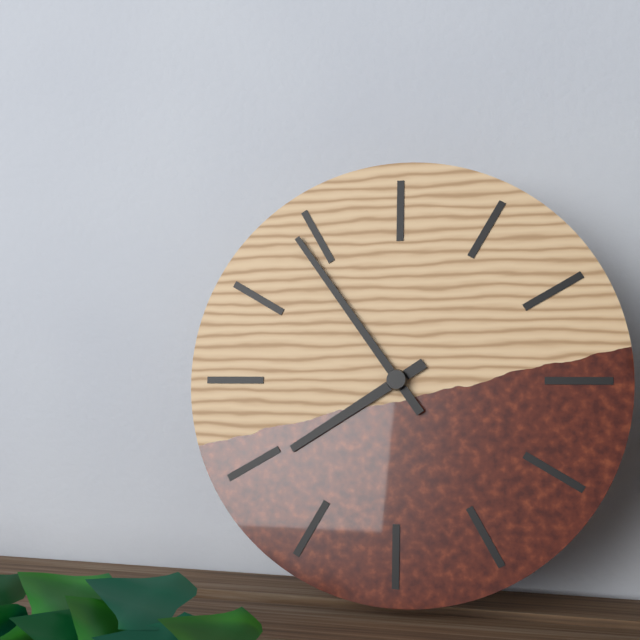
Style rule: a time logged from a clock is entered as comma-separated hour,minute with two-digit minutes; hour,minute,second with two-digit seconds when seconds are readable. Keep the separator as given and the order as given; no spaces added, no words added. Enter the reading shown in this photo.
7,54
